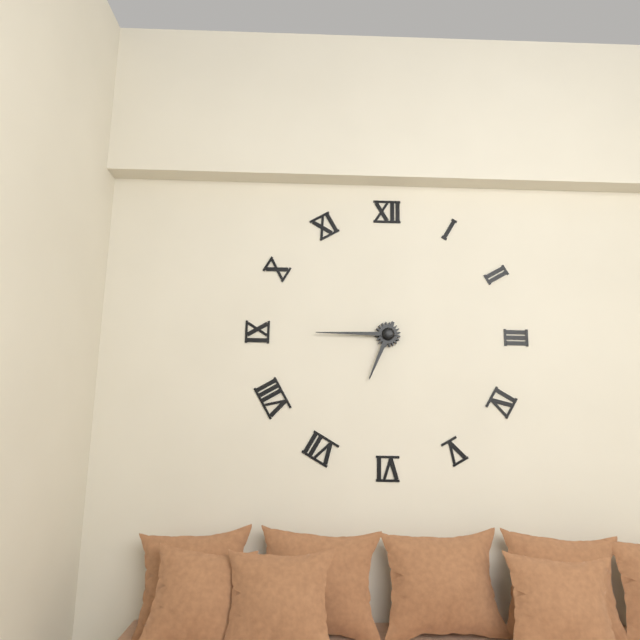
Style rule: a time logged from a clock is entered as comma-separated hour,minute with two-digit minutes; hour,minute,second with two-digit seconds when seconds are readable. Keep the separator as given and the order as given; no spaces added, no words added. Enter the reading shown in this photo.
6,45
